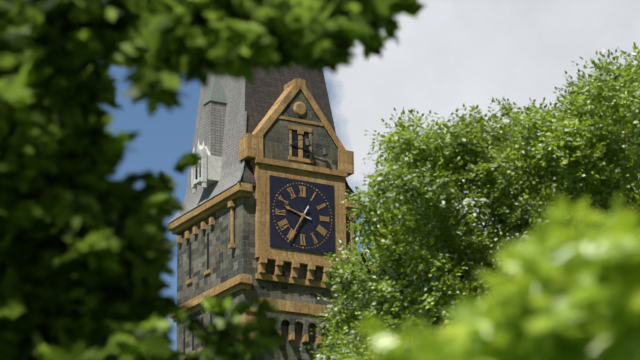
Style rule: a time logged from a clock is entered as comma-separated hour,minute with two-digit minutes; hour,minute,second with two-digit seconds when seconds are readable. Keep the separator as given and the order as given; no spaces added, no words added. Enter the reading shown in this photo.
9,35
